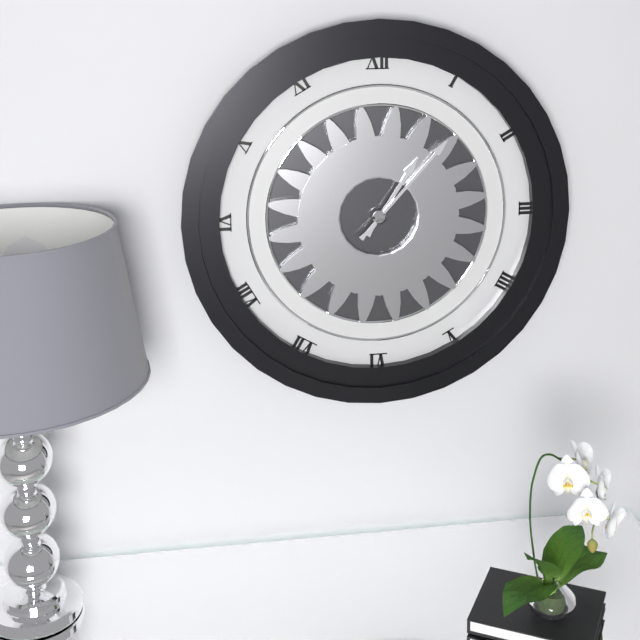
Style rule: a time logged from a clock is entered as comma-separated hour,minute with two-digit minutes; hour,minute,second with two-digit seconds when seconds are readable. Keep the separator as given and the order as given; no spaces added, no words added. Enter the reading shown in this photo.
1,07
